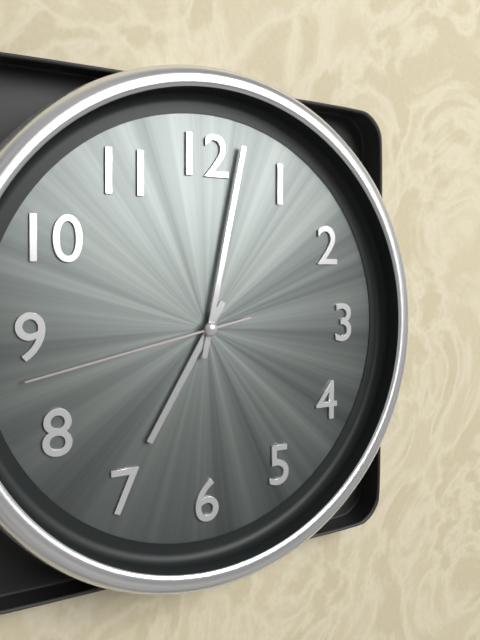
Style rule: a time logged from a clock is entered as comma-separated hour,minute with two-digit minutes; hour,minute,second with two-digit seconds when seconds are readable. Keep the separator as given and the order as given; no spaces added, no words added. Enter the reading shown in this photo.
7,02,43
